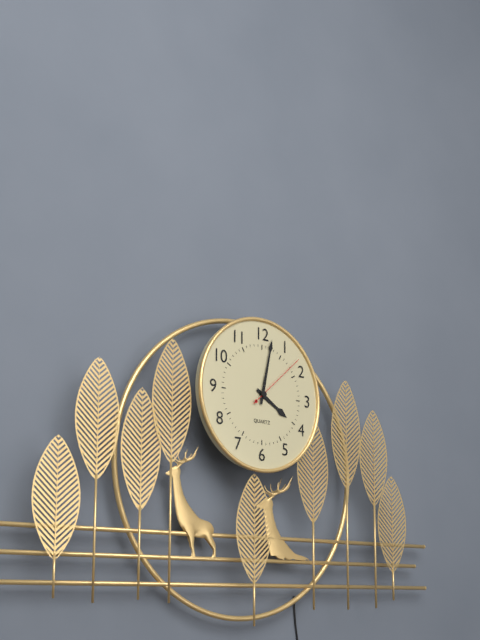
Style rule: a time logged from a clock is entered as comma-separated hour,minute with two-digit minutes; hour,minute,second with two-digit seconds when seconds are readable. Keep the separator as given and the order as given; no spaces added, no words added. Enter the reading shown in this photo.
4,02,08
